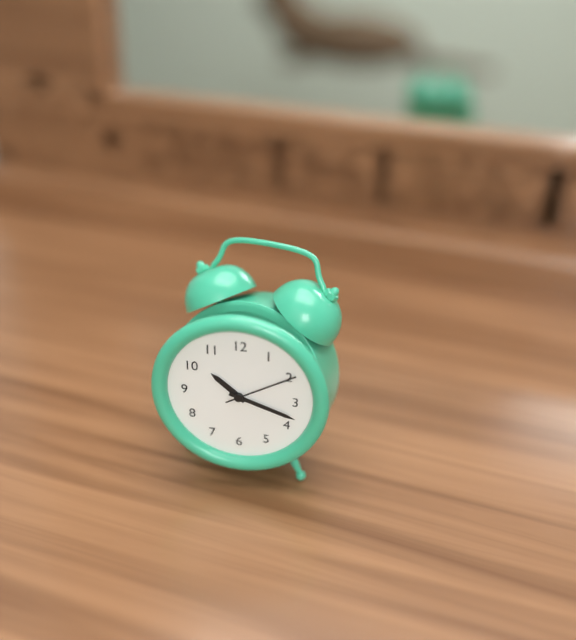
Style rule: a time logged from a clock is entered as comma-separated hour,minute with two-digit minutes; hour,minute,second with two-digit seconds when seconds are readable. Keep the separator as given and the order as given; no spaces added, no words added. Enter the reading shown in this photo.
10,18,10
